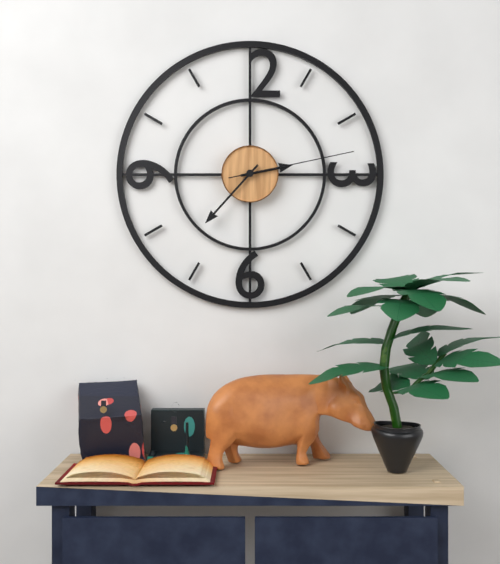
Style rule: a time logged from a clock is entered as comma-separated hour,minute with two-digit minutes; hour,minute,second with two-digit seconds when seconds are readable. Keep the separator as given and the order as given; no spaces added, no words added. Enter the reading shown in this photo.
2,37,13
